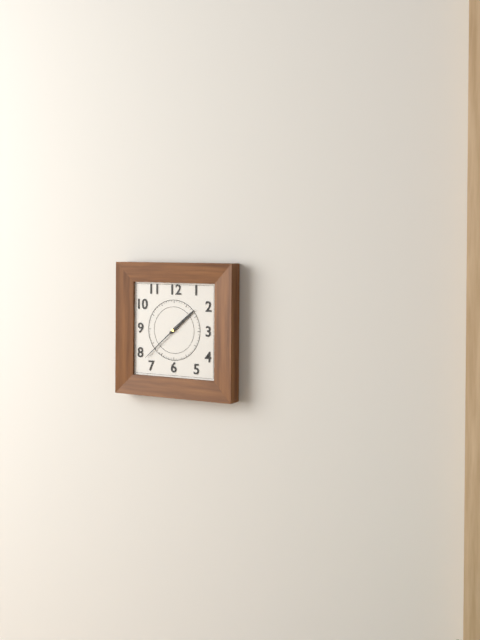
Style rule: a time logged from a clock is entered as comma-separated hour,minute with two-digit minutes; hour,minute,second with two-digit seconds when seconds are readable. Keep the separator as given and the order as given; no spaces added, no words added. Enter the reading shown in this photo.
1,38
